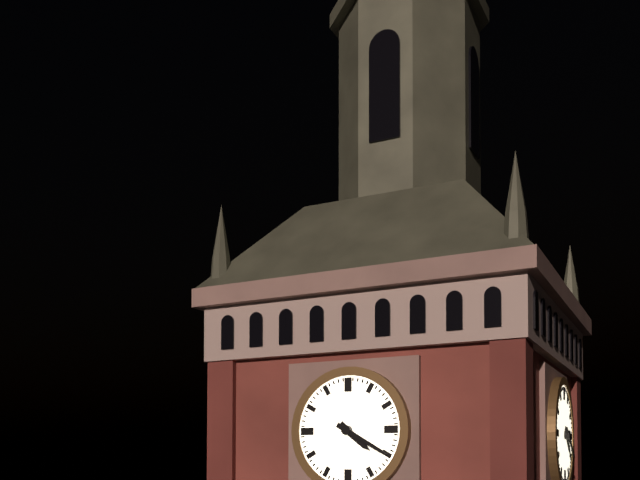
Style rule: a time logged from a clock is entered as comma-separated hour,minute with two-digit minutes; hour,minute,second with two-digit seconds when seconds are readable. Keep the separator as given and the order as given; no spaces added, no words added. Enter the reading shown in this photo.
4,20
